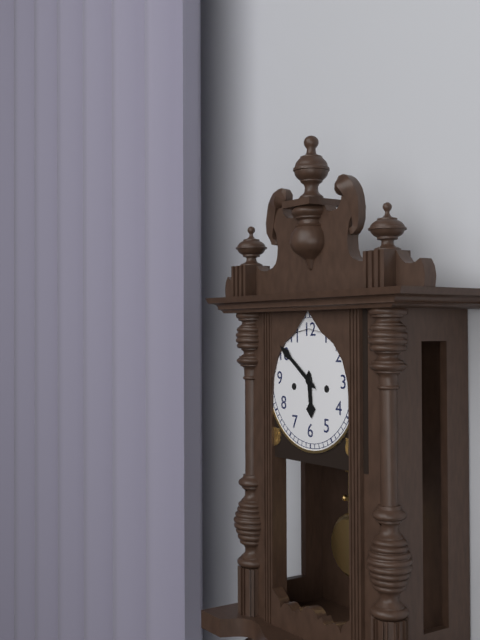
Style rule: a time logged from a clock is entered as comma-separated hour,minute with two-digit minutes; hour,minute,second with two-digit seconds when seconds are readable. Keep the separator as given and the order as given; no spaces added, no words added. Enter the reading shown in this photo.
5,51
